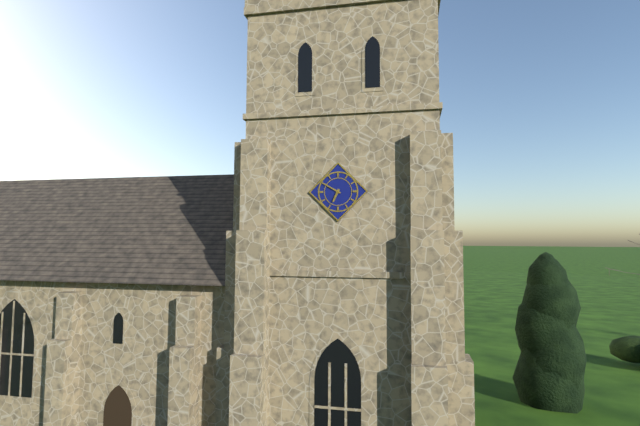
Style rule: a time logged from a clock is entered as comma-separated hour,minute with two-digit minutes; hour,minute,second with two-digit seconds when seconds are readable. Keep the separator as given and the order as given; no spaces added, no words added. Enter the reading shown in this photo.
6,50
